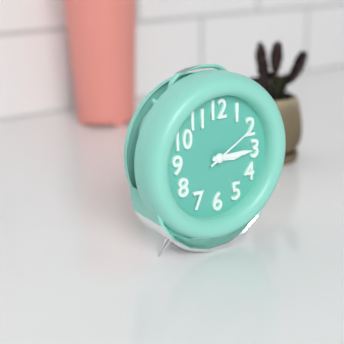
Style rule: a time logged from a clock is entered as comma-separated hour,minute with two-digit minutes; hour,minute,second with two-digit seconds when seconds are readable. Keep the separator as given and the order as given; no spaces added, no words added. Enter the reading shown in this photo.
3,15,10
